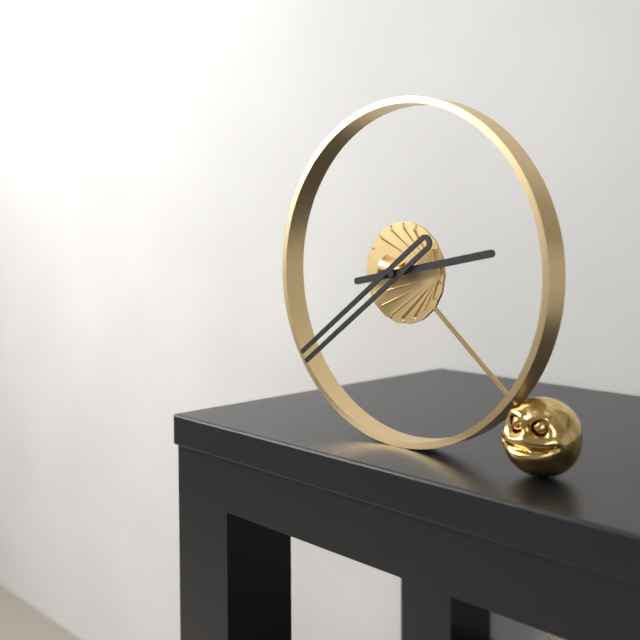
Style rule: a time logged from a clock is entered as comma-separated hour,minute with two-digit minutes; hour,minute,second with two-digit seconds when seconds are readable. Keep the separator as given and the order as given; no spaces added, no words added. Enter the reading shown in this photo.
2,39
